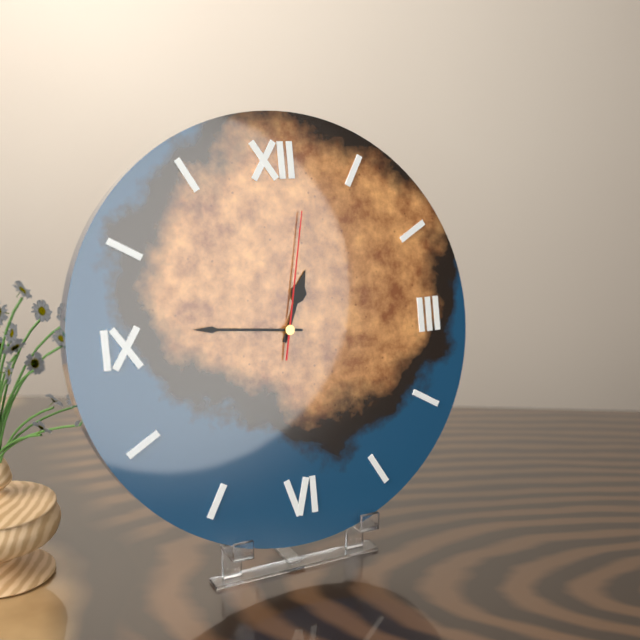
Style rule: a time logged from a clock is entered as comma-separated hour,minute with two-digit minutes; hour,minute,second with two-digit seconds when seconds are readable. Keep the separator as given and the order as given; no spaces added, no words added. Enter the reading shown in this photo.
12,46,02
